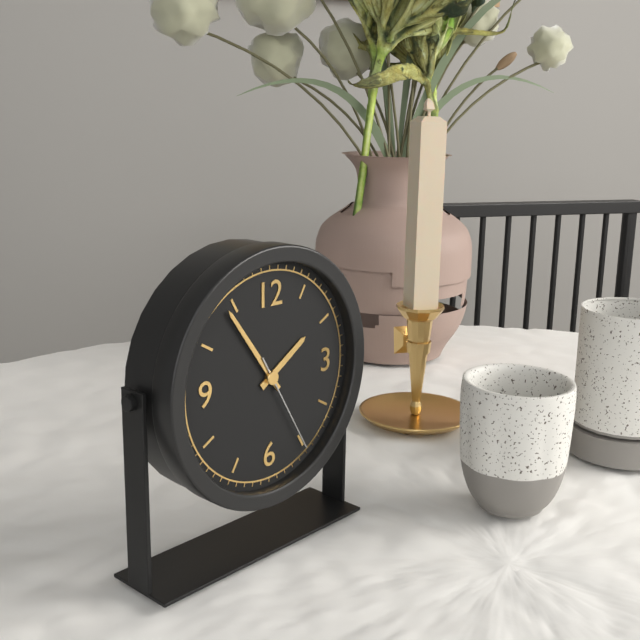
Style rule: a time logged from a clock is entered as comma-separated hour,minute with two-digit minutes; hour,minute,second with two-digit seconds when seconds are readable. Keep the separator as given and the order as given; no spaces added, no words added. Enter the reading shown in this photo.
1,54,25
